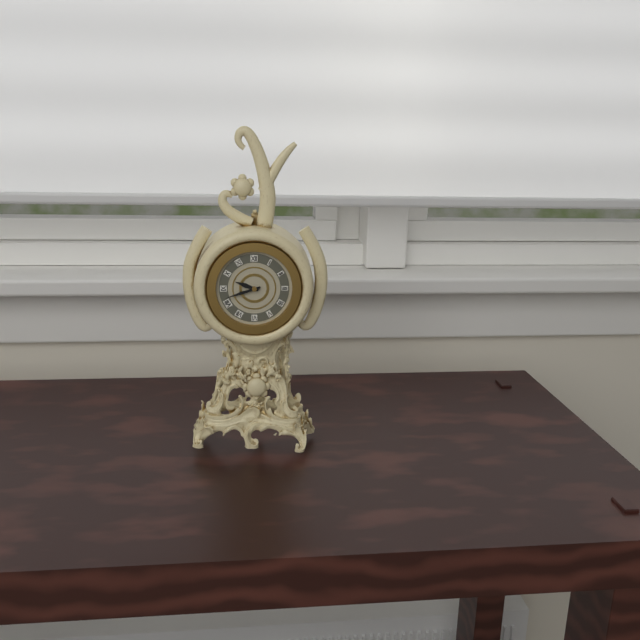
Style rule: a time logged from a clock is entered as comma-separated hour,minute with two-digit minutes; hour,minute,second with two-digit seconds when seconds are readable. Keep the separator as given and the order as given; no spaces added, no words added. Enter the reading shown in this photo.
9,42
